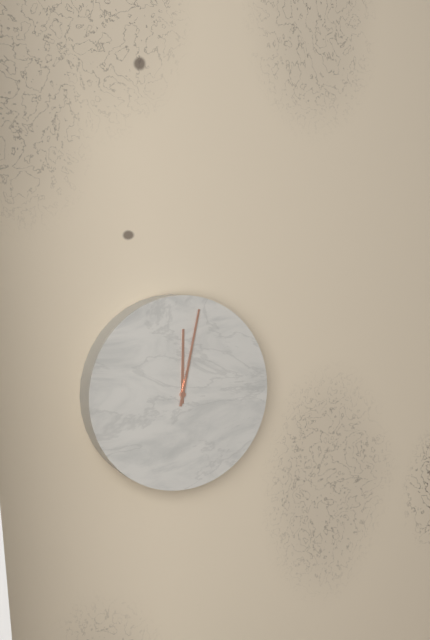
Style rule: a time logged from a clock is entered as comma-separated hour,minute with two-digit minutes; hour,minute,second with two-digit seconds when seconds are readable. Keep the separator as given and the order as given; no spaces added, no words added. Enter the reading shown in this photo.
12,02
